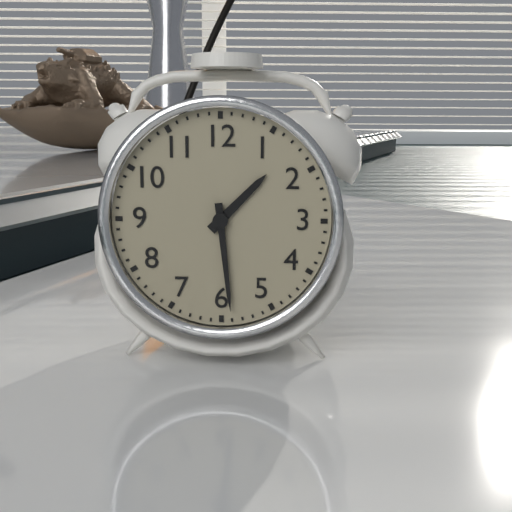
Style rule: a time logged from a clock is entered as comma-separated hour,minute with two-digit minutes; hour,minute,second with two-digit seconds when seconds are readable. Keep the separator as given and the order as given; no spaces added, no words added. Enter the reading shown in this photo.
1,29
